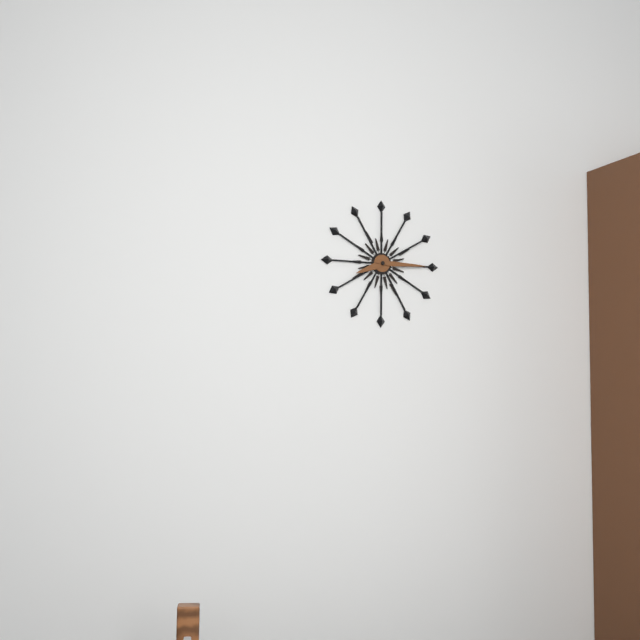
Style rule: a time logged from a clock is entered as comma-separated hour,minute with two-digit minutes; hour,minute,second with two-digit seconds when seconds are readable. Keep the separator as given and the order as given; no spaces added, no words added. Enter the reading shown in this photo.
8,15
